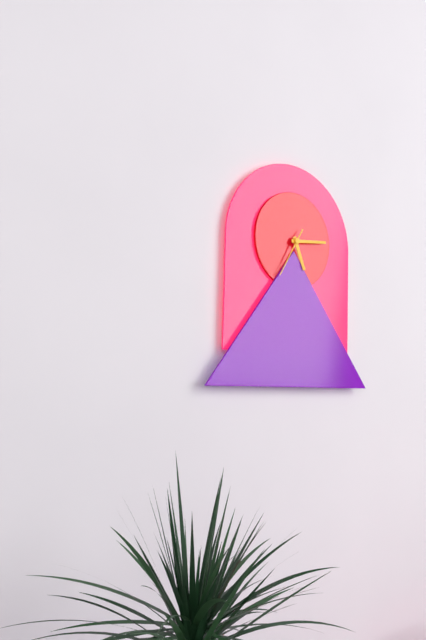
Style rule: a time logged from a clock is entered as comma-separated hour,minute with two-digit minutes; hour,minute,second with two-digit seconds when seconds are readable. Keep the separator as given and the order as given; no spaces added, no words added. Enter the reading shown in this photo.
5,14
